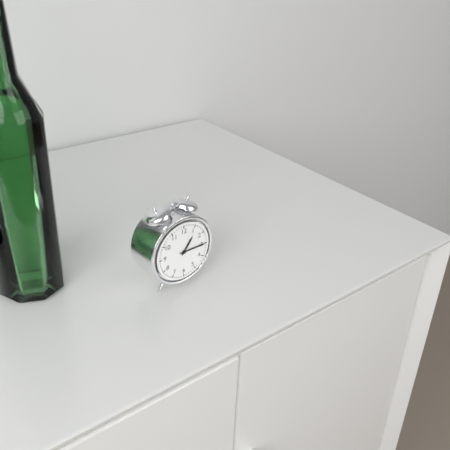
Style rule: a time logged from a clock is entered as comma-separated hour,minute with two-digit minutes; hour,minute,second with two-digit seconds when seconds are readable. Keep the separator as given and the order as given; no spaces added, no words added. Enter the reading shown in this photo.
1,15
